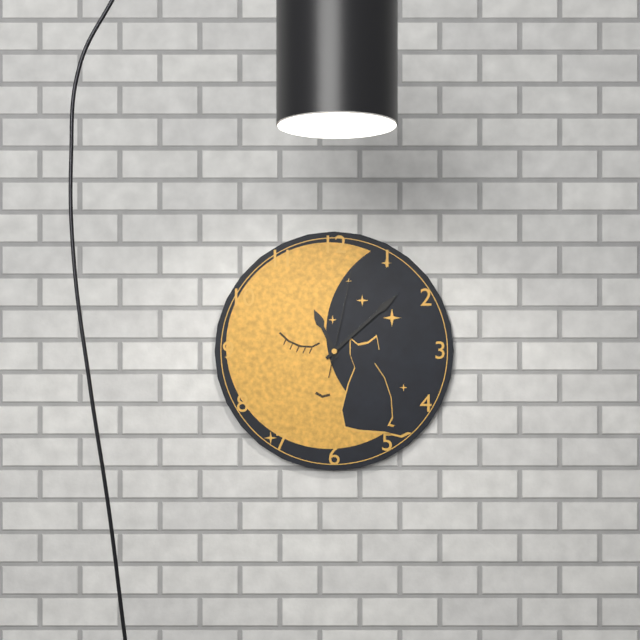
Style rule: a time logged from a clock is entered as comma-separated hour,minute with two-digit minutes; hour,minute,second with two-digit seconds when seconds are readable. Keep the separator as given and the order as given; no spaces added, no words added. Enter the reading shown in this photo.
11,08,02
